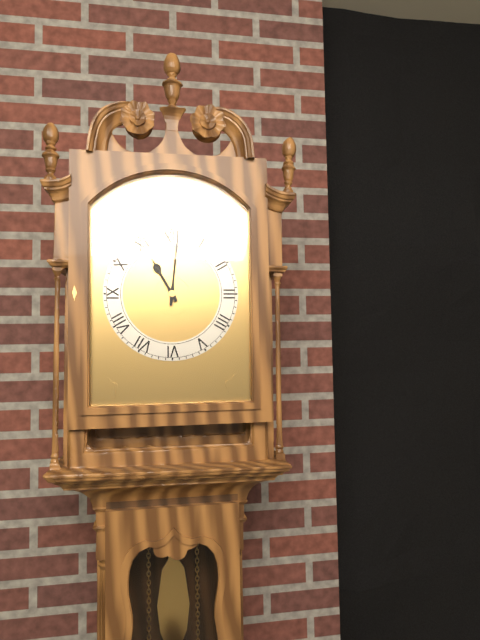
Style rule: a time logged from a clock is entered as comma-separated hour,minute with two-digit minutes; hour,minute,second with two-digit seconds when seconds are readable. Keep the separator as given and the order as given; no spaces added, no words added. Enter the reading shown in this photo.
11,01
